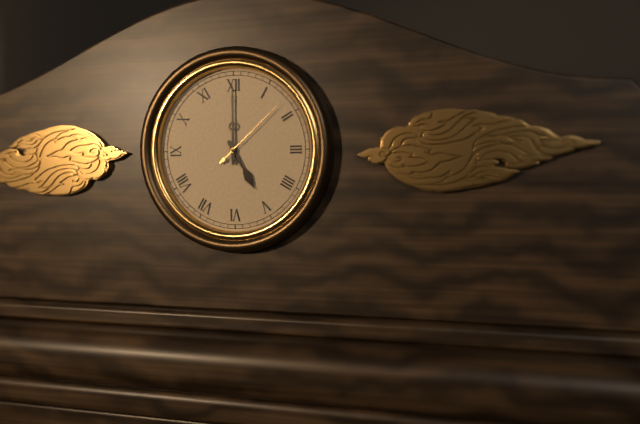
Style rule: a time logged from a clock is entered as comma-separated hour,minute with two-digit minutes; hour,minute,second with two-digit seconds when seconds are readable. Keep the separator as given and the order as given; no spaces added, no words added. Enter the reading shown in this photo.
5,00,08
